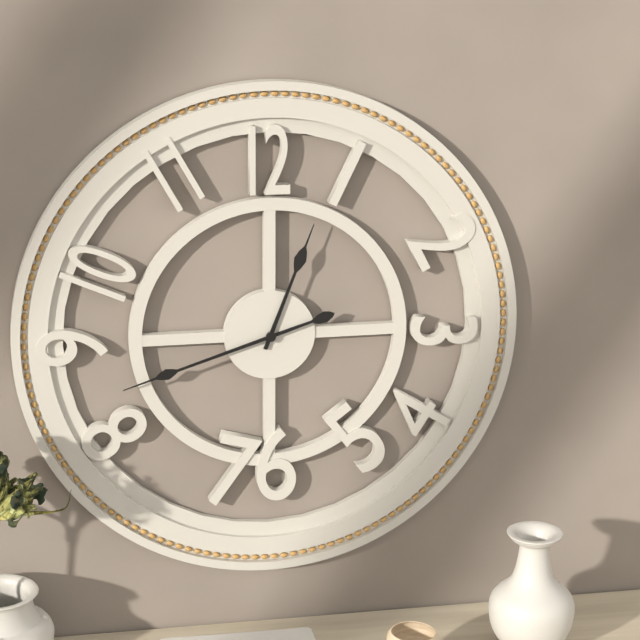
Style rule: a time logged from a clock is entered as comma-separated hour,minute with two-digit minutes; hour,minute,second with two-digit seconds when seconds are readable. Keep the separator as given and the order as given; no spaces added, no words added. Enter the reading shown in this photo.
12,42
